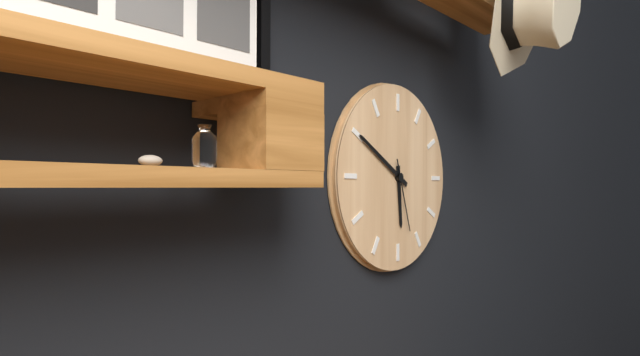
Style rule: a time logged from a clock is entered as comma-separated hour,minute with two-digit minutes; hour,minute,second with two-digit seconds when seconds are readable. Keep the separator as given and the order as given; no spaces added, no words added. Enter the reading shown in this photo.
5,50,27
